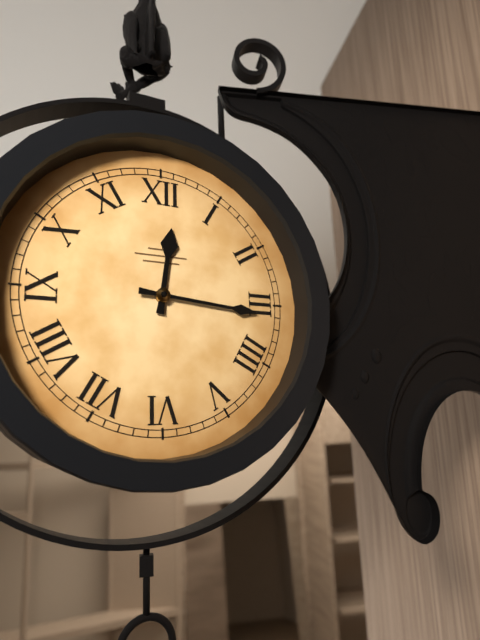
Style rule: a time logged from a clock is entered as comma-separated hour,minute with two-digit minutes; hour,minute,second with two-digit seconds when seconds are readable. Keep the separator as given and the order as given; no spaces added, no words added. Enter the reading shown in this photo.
12,16
